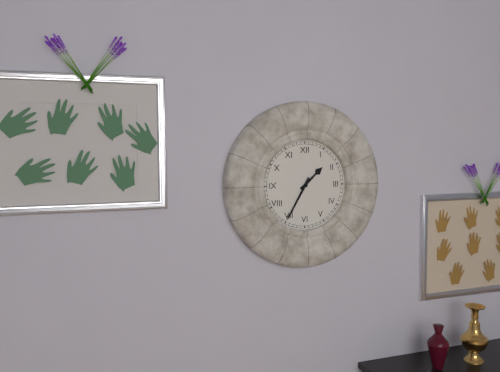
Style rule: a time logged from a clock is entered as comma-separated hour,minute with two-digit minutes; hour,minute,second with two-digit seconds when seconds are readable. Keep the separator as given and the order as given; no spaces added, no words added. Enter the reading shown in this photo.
1,35
